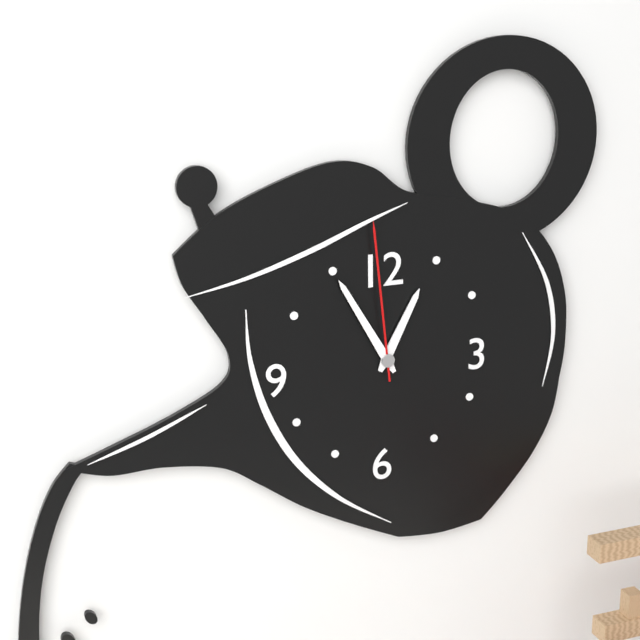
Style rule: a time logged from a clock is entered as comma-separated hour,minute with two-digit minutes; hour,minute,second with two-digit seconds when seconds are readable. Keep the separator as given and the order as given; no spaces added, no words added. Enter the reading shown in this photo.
12,55,59
